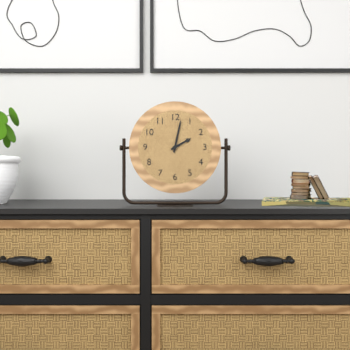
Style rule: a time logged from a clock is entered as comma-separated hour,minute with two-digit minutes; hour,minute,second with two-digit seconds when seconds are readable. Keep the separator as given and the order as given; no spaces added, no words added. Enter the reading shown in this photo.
2,02
